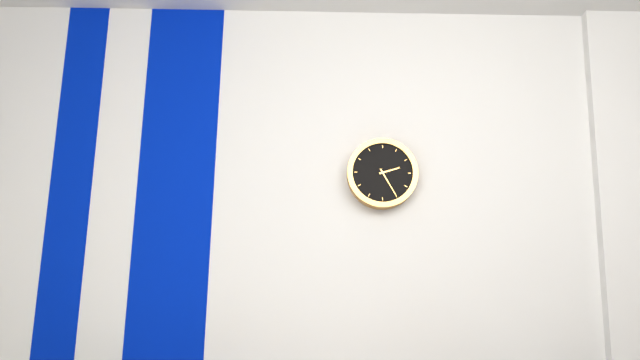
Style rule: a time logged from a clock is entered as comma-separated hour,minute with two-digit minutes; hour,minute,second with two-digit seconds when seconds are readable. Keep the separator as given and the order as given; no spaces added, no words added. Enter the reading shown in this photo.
2,25
